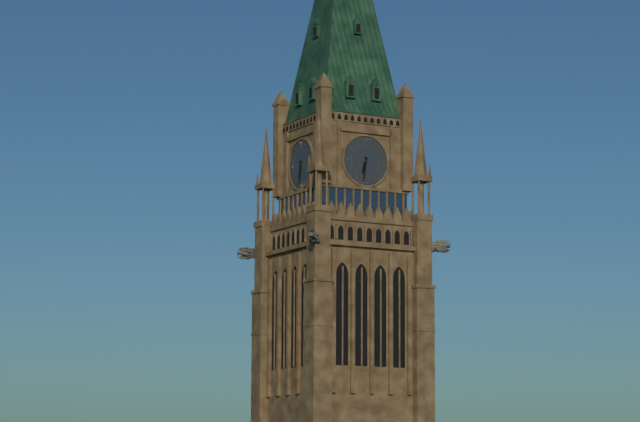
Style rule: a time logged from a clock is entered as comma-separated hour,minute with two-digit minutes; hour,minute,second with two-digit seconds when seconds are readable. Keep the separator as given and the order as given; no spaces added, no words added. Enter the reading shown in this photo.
6,31
